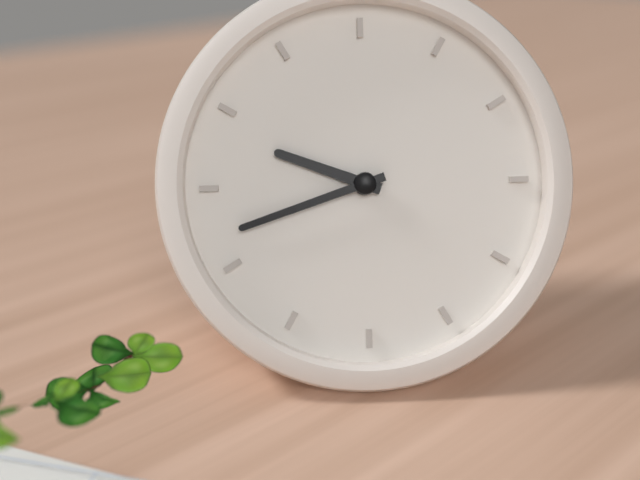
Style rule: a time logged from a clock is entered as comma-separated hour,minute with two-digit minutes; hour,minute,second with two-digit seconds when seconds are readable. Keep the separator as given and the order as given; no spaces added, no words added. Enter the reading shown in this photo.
9,42
